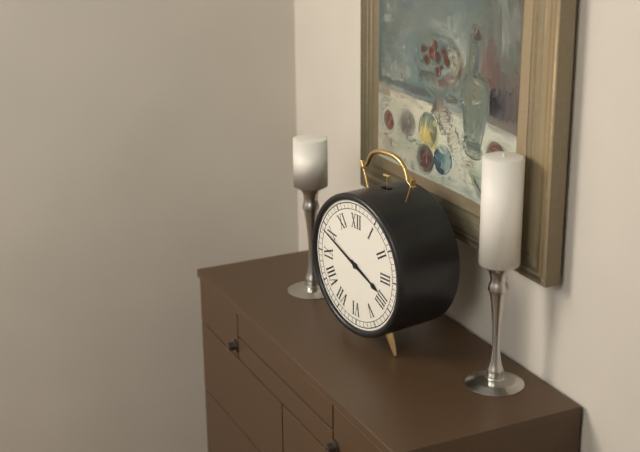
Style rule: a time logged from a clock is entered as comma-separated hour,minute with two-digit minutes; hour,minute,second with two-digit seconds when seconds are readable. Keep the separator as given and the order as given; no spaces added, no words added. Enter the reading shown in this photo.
3,49
